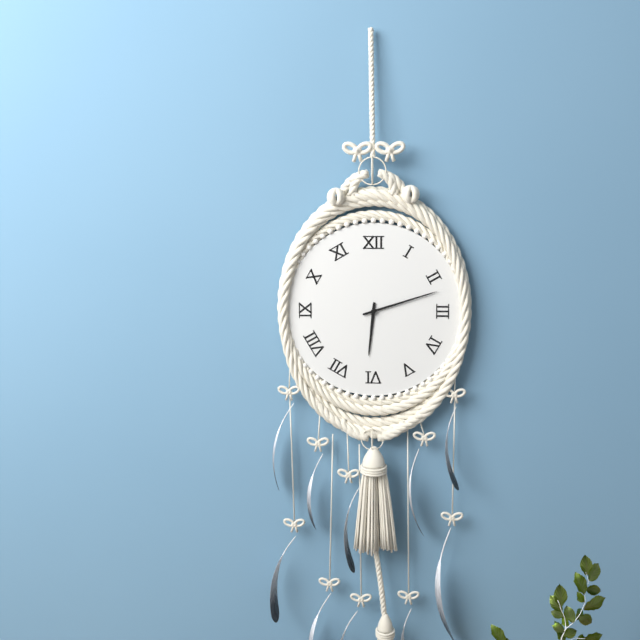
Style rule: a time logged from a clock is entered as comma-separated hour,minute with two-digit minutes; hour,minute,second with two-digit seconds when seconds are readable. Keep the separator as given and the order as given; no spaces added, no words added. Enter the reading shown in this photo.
6,12
